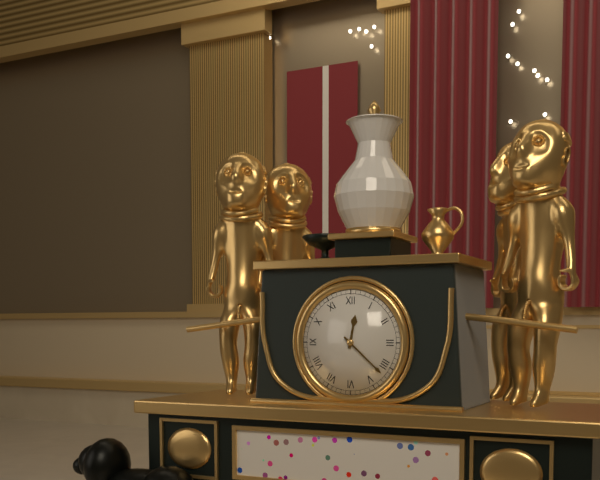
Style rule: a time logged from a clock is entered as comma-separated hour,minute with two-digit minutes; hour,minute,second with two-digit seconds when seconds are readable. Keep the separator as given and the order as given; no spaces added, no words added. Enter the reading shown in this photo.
12,22
